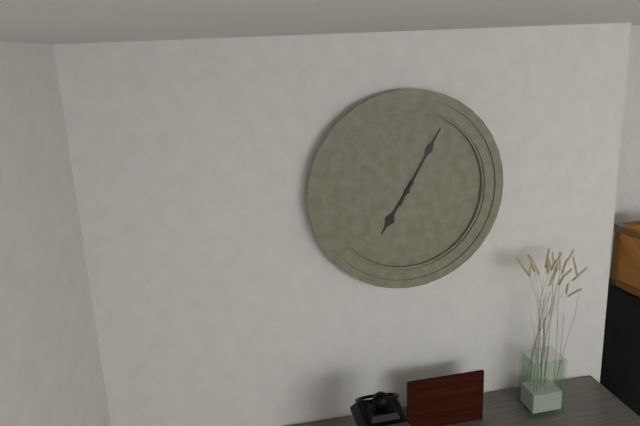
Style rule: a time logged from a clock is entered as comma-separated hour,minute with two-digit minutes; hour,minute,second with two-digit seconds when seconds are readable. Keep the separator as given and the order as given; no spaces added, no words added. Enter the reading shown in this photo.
7,05
